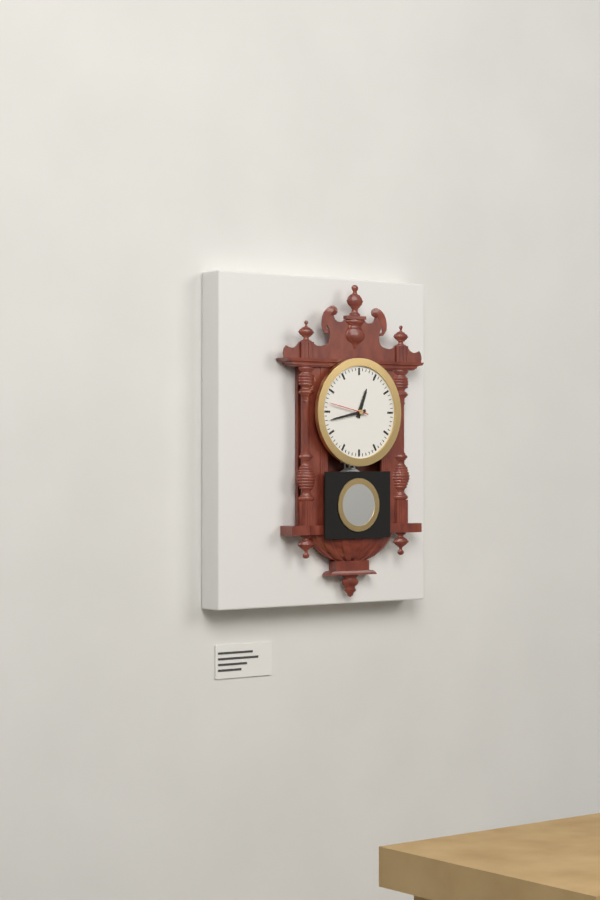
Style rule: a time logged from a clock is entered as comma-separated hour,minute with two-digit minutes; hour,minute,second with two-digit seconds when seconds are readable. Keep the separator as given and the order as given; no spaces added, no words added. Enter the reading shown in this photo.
12,43
